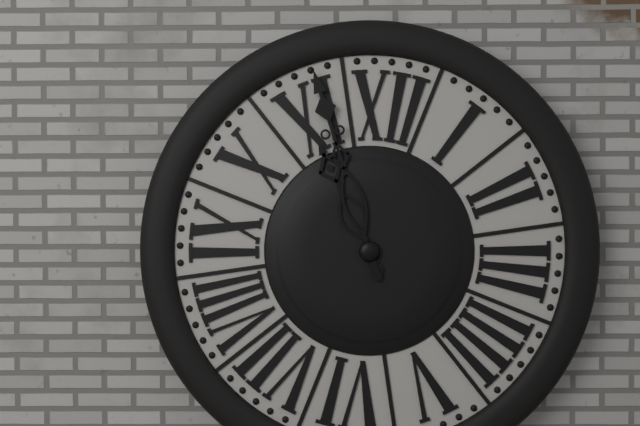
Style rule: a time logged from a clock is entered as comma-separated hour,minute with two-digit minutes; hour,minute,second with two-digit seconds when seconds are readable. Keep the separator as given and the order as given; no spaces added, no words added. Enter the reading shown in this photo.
10,56
